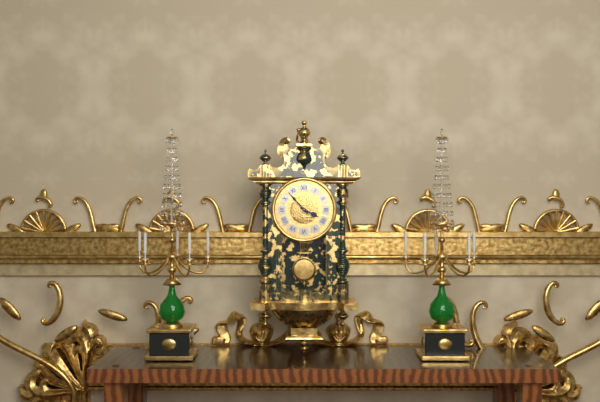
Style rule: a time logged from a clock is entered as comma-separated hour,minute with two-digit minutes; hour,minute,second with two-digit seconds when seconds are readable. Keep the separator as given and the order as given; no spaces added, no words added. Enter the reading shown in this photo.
3,53
